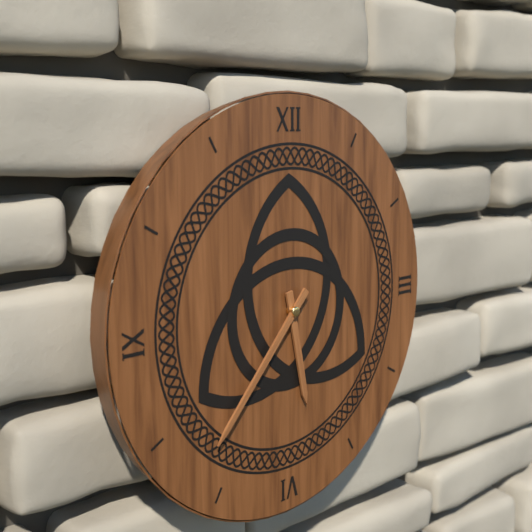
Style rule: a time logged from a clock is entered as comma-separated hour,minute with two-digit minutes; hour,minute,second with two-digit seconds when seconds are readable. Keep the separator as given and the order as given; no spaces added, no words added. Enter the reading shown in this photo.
5,37
